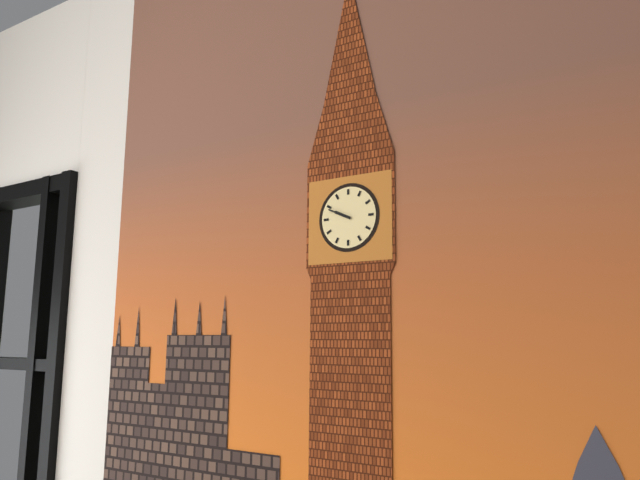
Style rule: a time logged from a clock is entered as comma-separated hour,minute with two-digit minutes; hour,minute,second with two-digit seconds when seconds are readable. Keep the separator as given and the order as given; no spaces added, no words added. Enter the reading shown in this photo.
9,49
